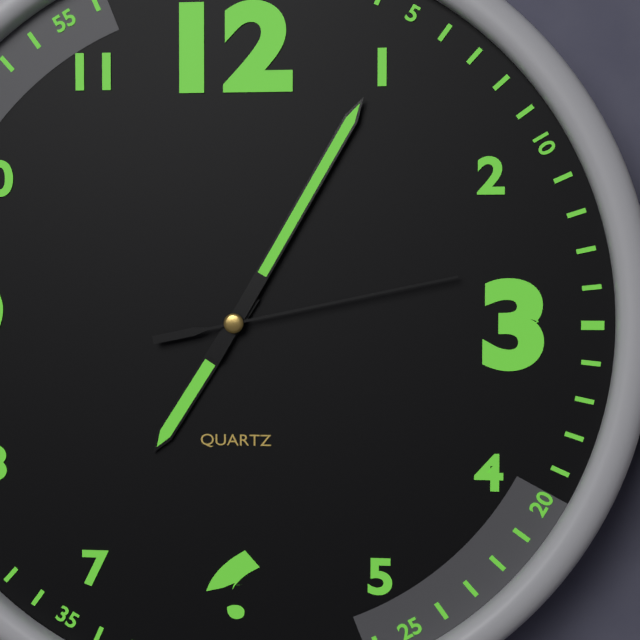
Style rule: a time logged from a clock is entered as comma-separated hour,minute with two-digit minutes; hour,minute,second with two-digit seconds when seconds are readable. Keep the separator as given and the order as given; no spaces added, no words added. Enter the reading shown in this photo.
7,05,13
